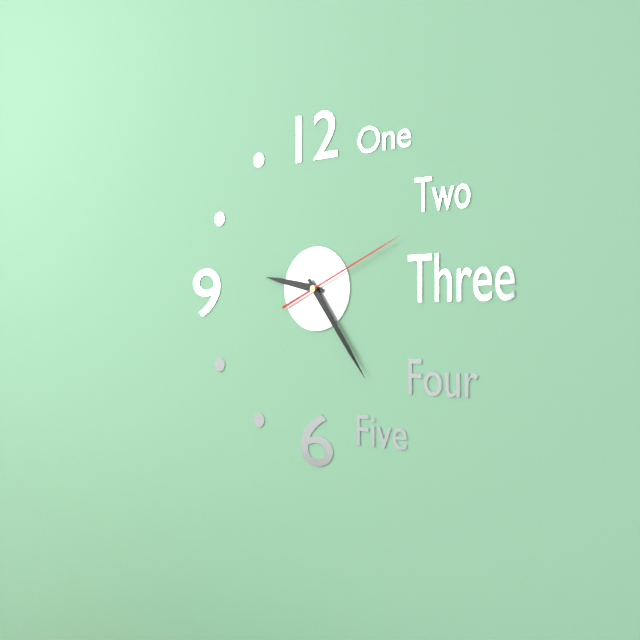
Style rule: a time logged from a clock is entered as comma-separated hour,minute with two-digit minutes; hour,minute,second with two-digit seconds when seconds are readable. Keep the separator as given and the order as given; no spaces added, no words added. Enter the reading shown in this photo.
9,24,11
